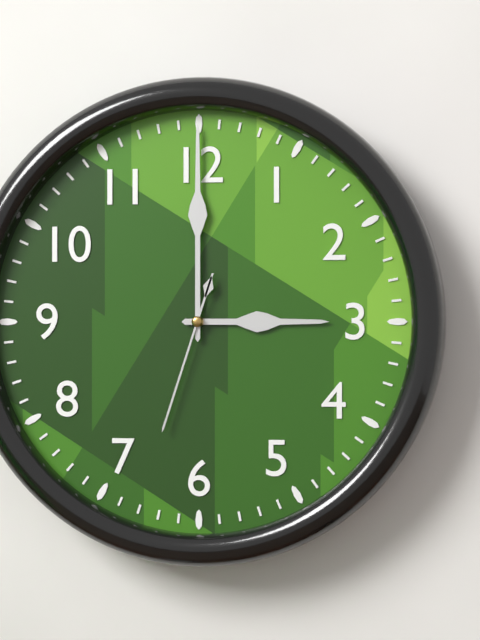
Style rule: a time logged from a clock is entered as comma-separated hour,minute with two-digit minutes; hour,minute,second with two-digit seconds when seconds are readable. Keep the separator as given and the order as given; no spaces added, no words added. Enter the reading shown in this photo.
3,00,33
